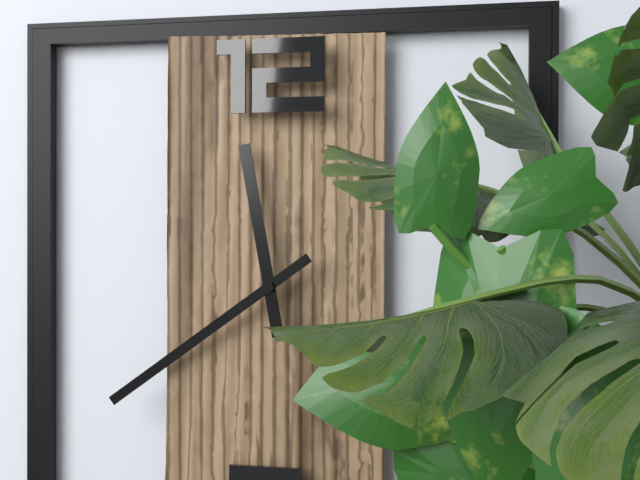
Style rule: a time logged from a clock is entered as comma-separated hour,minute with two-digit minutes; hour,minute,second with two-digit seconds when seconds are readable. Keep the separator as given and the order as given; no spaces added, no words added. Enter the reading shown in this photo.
11,39
